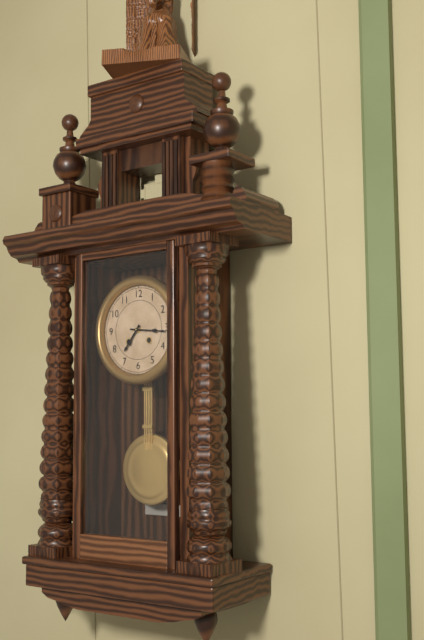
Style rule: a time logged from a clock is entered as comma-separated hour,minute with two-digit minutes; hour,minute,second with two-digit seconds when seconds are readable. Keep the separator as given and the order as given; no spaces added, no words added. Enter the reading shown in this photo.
7,16
